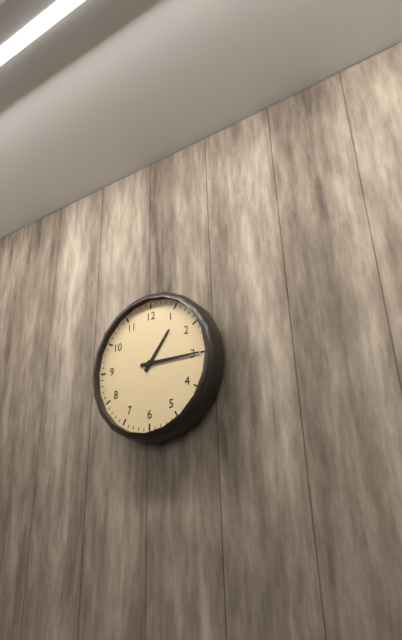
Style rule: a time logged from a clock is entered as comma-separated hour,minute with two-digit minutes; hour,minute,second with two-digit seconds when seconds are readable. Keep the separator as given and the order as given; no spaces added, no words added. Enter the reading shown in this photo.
1,15
